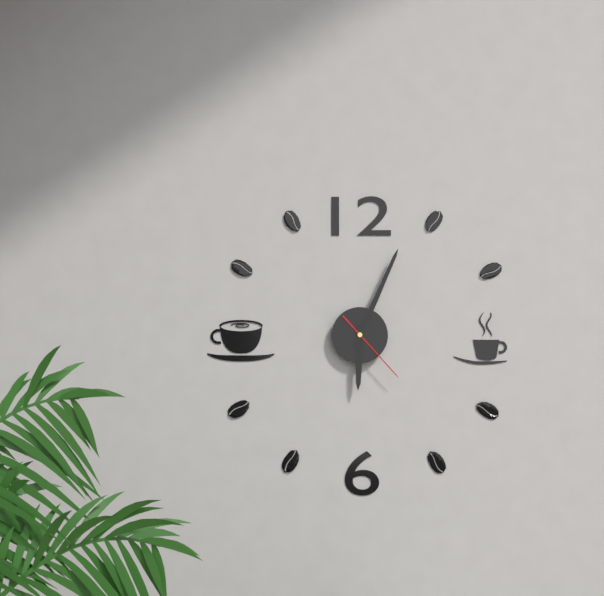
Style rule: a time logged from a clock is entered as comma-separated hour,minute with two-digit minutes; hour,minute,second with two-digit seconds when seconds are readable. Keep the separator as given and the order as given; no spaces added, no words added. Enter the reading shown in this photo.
6,04,23
